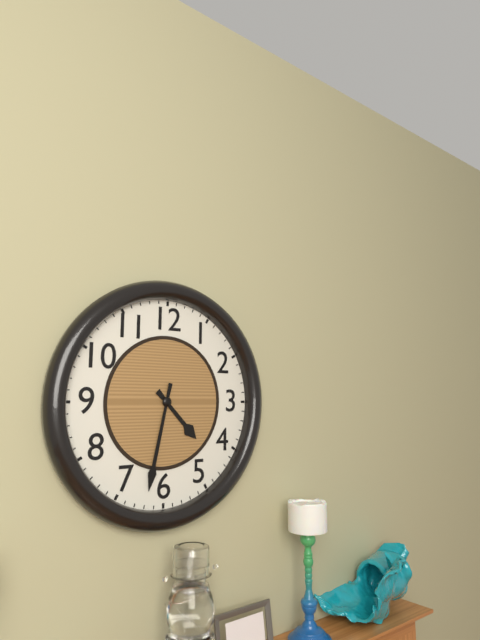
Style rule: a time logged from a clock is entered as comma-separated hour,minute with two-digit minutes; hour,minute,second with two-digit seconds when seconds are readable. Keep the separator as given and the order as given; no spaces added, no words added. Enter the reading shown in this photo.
4,32
